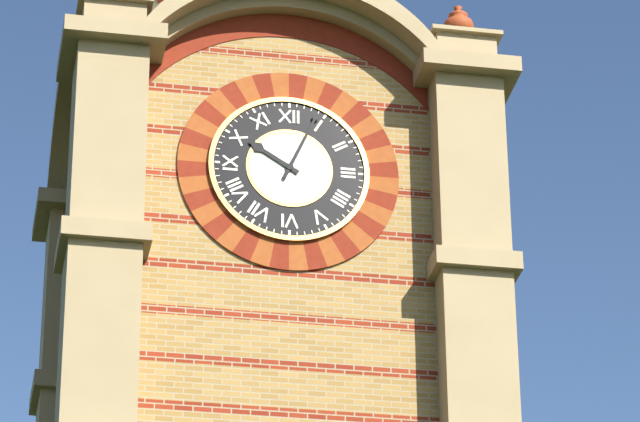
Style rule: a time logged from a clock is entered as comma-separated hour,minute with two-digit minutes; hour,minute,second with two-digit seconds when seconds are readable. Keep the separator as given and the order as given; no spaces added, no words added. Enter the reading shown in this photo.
10,04
